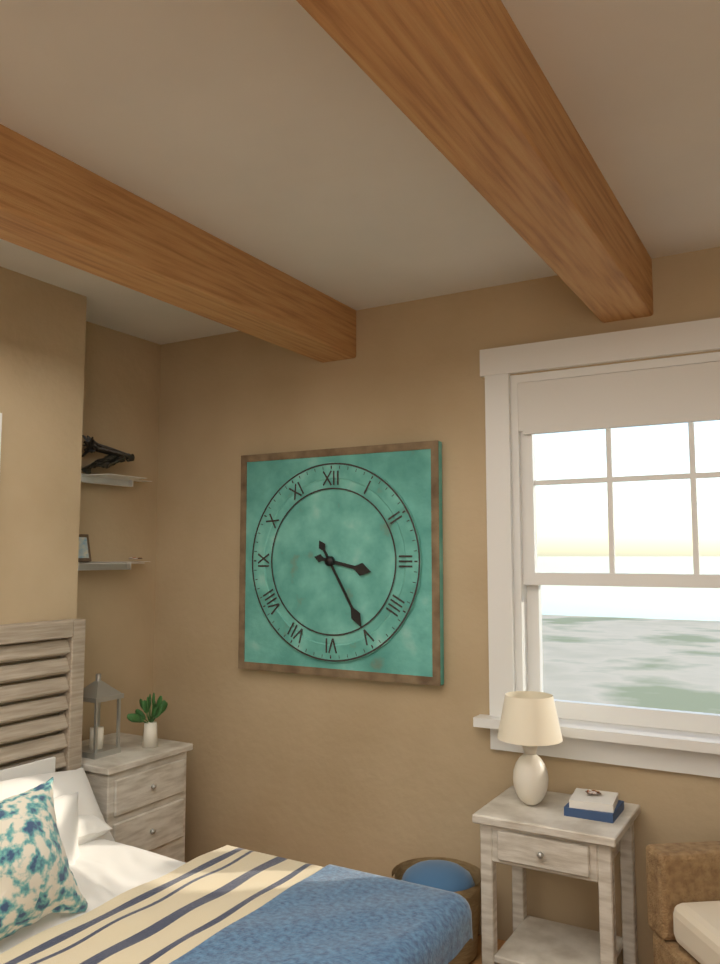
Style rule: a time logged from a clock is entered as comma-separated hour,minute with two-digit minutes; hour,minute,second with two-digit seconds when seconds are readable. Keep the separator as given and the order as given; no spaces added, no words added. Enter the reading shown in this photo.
3,25
